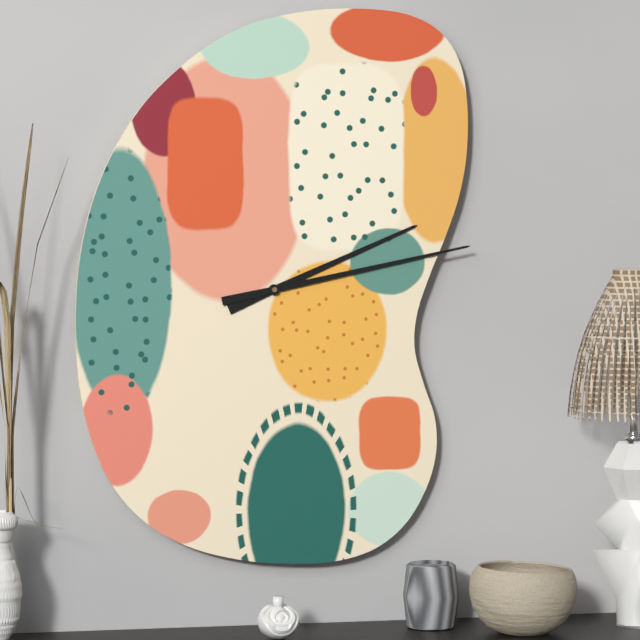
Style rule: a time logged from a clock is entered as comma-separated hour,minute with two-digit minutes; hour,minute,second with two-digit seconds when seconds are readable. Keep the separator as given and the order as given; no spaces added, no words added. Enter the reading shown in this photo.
2,13
